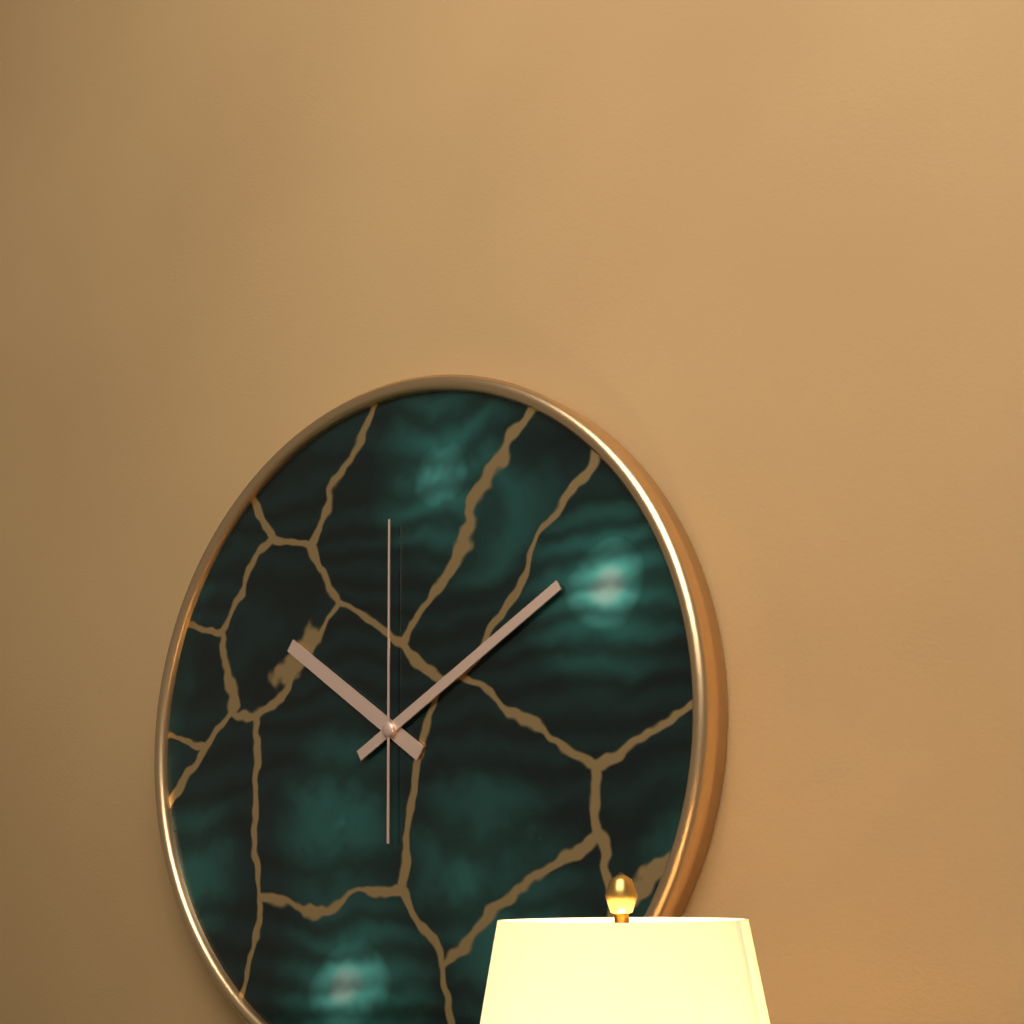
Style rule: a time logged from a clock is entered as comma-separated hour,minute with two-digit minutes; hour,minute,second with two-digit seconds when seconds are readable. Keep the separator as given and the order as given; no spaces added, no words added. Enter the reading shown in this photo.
10,10,00
